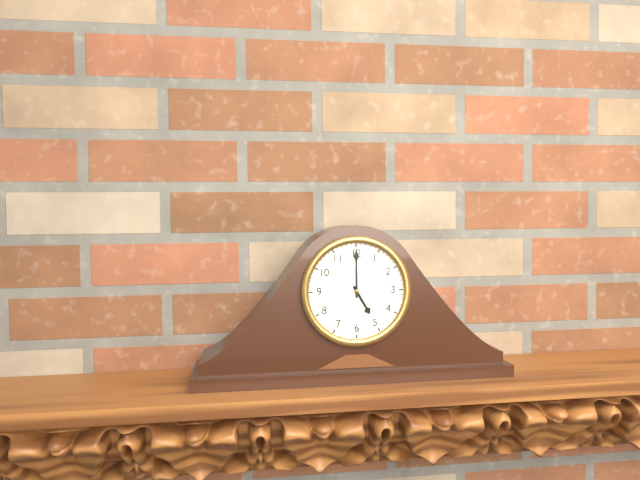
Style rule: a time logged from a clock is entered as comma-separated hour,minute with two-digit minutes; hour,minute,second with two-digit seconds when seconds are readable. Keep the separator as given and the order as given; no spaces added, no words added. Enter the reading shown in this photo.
5,00
